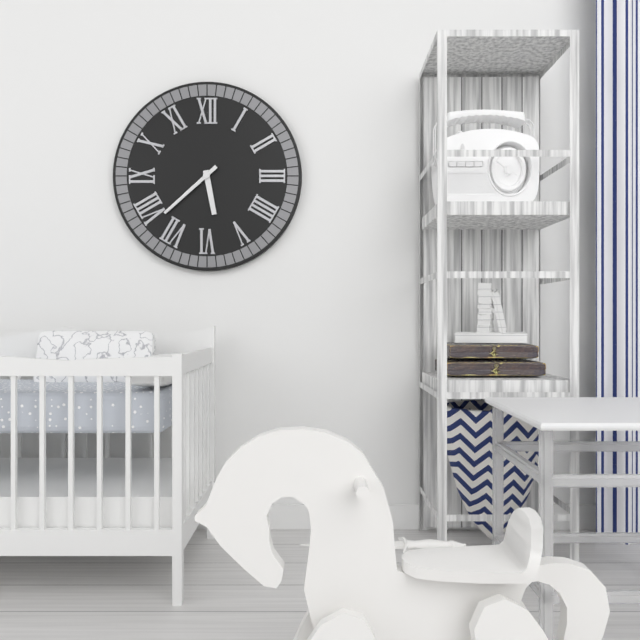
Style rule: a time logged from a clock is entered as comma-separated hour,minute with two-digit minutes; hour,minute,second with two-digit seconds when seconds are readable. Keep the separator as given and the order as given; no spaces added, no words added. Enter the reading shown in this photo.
5,38
